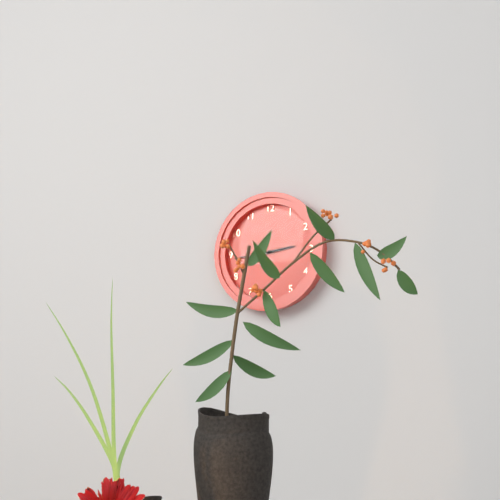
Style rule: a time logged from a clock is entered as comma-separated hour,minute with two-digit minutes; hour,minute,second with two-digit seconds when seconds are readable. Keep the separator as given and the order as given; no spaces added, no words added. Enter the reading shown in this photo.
2,44
